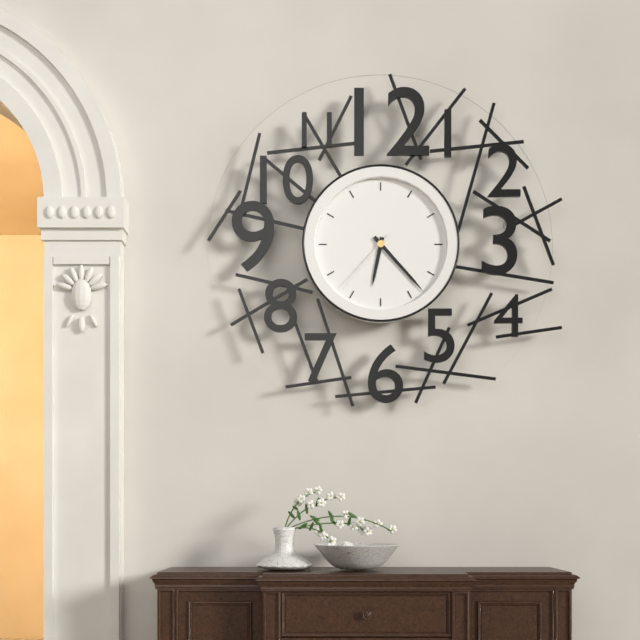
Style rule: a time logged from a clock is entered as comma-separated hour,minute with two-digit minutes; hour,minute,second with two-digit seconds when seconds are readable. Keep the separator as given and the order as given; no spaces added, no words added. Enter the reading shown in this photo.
6,23,37
